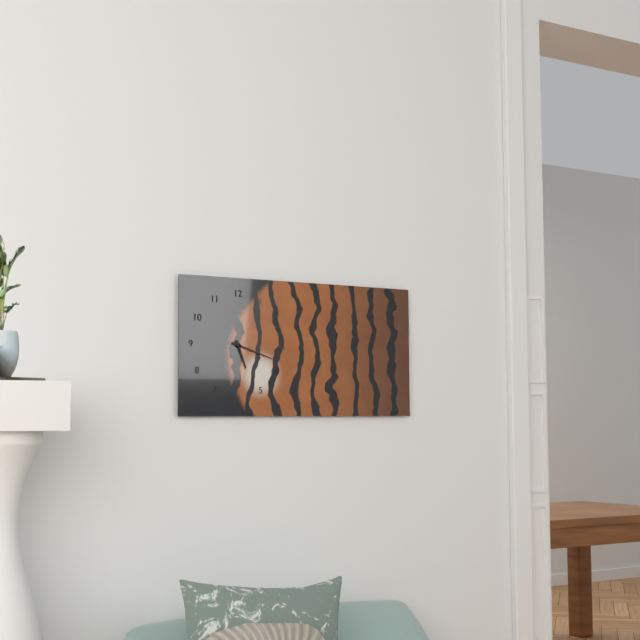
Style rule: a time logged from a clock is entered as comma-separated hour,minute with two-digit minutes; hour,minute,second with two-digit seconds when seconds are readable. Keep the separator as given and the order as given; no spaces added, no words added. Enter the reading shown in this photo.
5,18
